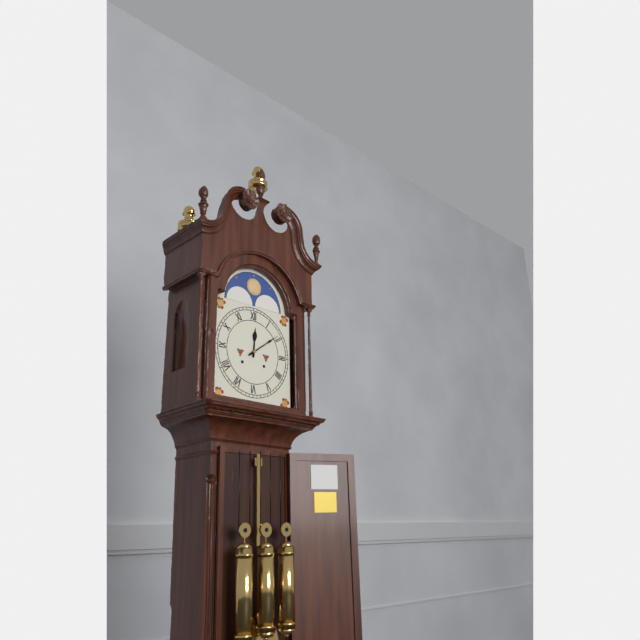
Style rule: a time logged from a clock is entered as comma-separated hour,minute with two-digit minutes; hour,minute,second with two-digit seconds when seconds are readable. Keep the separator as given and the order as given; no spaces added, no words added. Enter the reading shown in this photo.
12,09
